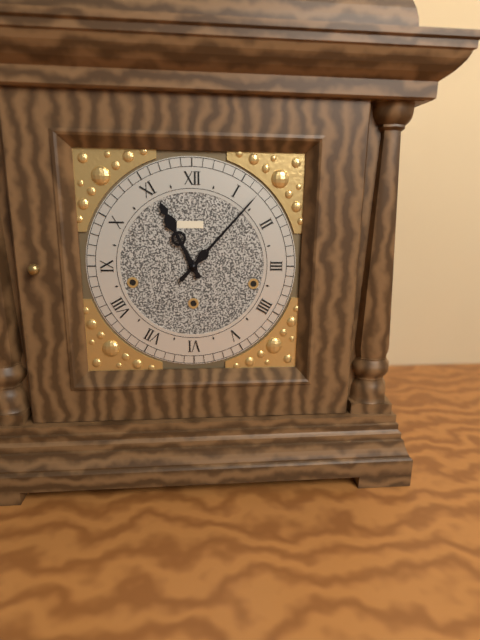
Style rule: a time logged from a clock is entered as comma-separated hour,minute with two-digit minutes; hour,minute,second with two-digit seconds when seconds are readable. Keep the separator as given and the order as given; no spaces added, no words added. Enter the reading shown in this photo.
11,07
